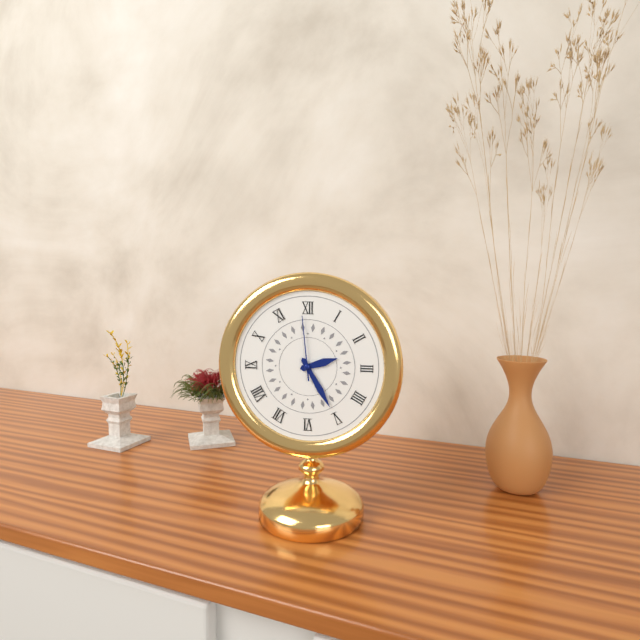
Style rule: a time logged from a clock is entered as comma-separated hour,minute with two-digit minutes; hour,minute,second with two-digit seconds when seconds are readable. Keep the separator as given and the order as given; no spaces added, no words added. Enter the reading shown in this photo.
2,25,59
